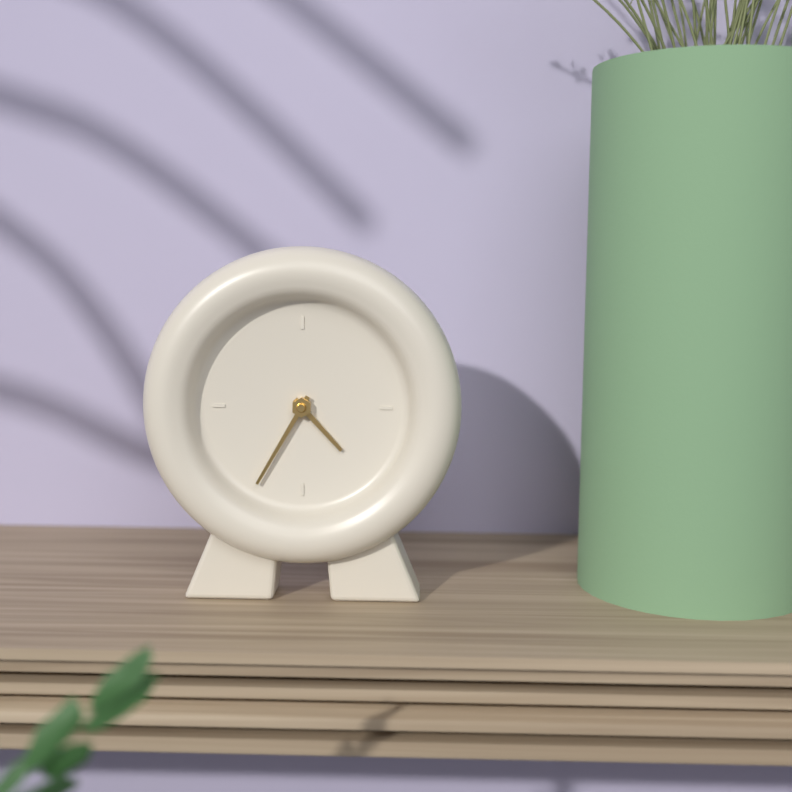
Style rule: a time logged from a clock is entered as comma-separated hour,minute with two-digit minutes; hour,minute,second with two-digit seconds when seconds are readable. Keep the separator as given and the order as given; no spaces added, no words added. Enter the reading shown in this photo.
4,35
